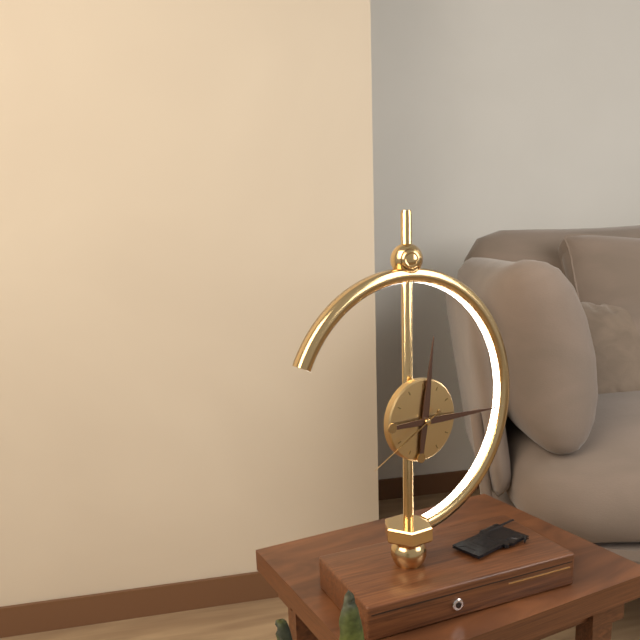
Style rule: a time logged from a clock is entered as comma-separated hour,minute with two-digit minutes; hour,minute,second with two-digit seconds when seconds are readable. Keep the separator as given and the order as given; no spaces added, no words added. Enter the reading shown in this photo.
12,15,40
